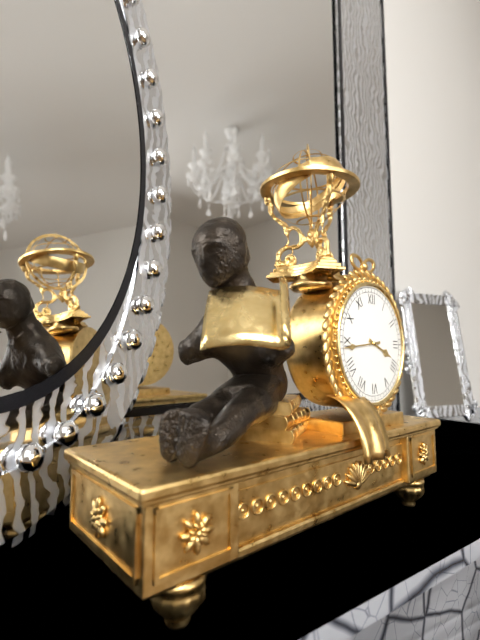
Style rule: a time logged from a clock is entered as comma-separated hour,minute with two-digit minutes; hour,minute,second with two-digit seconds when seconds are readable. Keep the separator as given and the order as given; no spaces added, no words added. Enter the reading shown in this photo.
3,44
